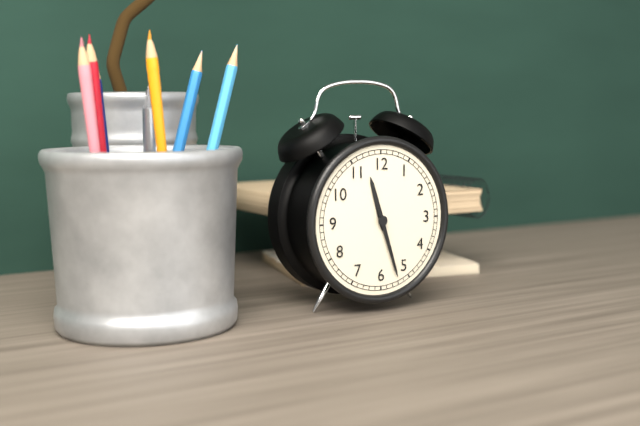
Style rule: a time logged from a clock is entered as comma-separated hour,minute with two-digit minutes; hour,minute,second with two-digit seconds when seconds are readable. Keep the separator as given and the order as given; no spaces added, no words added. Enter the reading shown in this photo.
11,27
